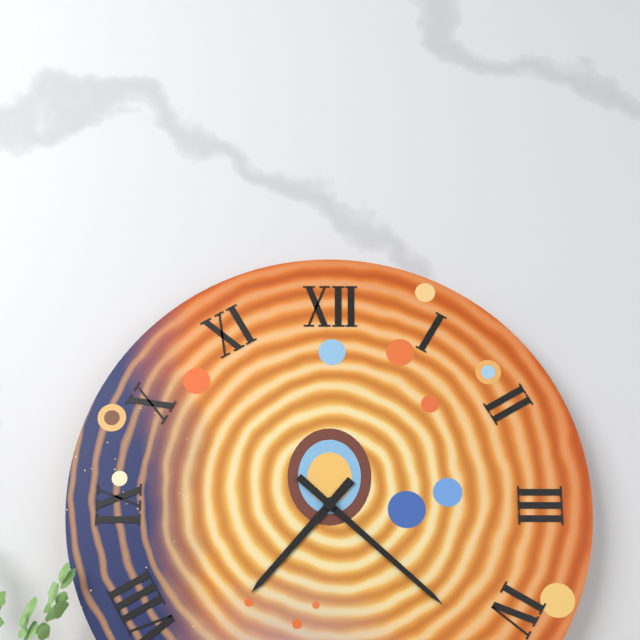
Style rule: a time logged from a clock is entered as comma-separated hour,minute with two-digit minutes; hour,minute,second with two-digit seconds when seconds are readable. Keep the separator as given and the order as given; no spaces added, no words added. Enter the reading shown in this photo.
7,22
